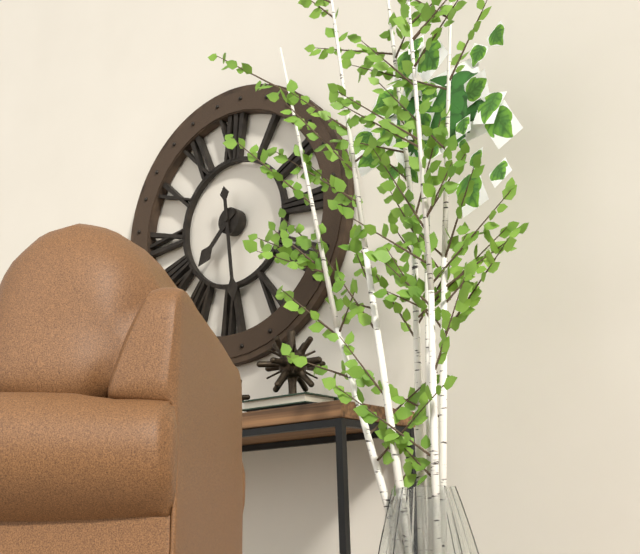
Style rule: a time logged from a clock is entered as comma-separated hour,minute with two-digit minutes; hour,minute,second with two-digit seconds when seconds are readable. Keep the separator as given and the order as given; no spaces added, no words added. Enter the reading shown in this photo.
7,29
